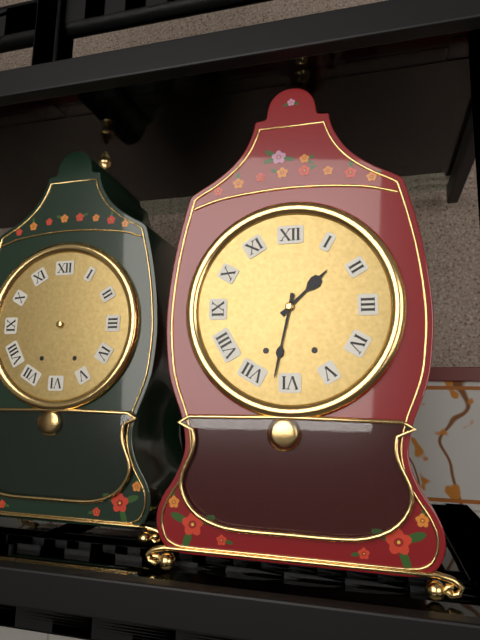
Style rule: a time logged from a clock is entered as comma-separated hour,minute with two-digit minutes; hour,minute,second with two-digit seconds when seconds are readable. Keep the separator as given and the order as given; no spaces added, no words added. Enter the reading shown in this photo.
1,32
